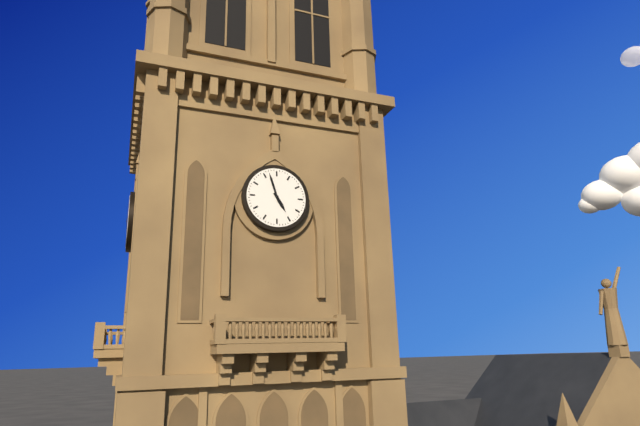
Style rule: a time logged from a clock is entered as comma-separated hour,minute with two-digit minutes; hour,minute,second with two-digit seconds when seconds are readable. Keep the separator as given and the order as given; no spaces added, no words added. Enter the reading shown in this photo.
4,57
